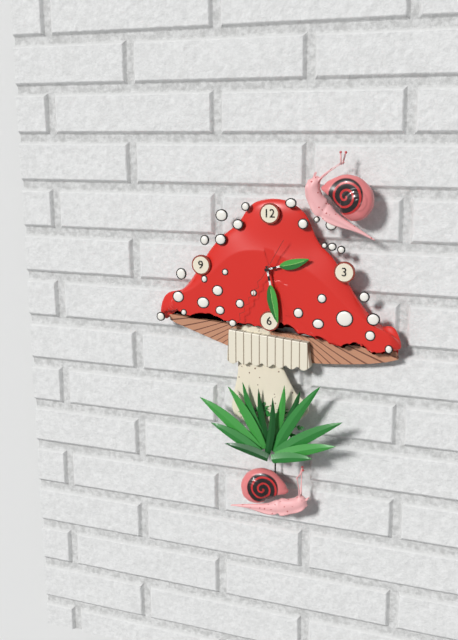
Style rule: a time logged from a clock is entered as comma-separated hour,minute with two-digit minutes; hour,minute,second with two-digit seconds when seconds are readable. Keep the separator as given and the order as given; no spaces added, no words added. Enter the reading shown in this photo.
2,28,35
